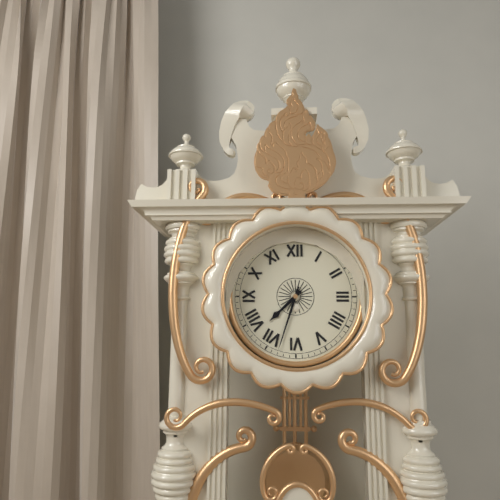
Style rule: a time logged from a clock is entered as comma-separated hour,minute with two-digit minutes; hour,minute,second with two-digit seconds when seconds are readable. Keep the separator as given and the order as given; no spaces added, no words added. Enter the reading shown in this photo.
7,33
